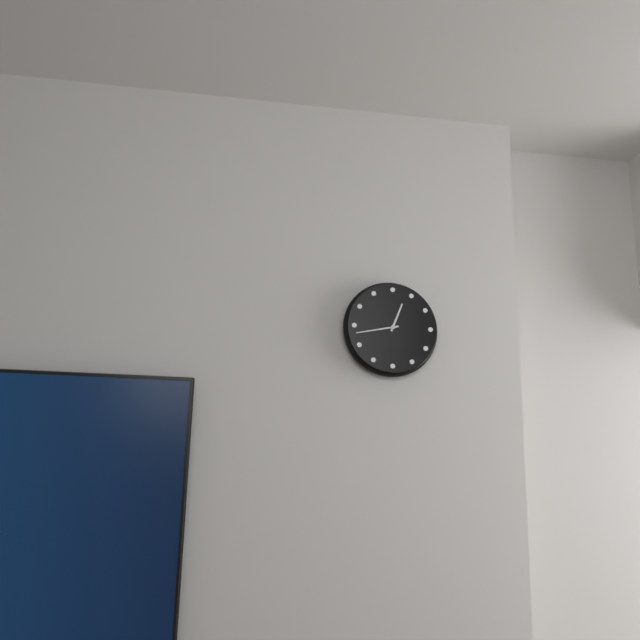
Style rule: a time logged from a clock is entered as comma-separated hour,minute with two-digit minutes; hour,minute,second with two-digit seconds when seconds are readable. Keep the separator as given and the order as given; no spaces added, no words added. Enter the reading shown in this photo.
12,43
